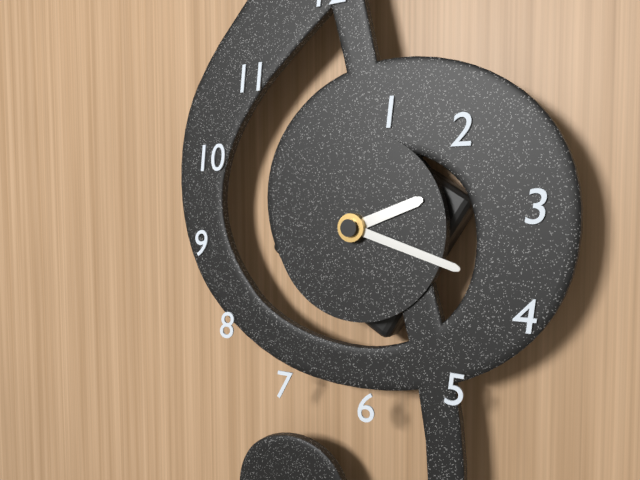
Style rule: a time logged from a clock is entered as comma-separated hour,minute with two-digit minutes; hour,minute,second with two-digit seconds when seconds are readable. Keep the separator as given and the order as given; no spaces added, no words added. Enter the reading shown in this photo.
2,18
